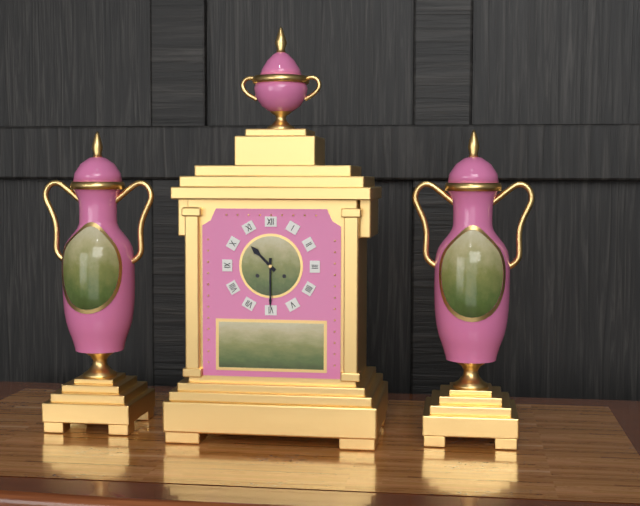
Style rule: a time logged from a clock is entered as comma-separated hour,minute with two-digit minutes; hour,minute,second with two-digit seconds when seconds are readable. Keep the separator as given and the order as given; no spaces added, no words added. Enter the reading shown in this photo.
10,30
